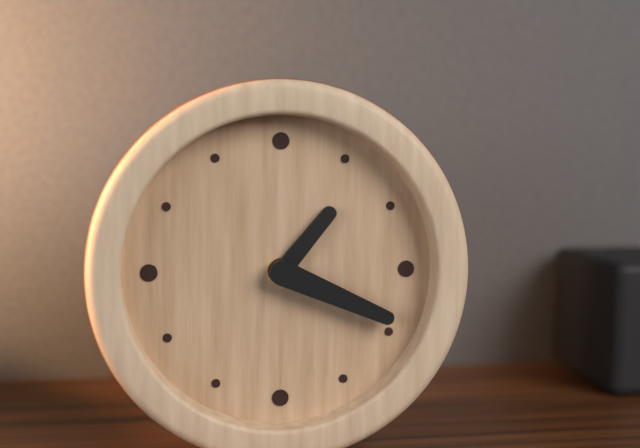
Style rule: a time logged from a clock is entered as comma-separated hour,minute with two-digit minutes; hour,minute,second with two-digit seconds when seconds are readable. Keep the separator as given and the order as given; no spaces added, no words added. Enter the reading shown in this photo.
1,19
